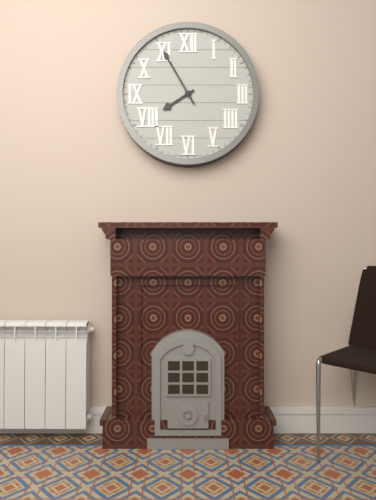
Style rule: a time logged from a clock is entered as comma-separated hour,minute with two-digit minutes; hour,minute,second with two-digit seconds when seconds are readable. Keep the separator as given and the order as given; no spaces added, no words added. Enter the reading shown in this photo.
7,55
